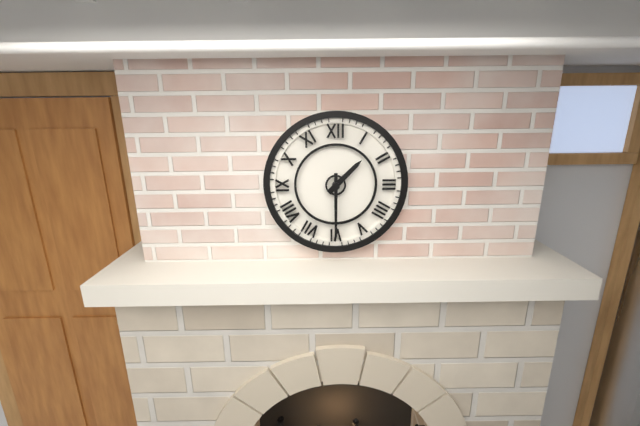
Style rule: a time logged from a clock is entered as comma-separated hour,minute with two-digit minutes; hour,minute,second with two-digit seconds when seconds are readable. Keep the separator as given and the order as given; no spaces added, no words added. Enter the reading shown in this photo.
1,30
